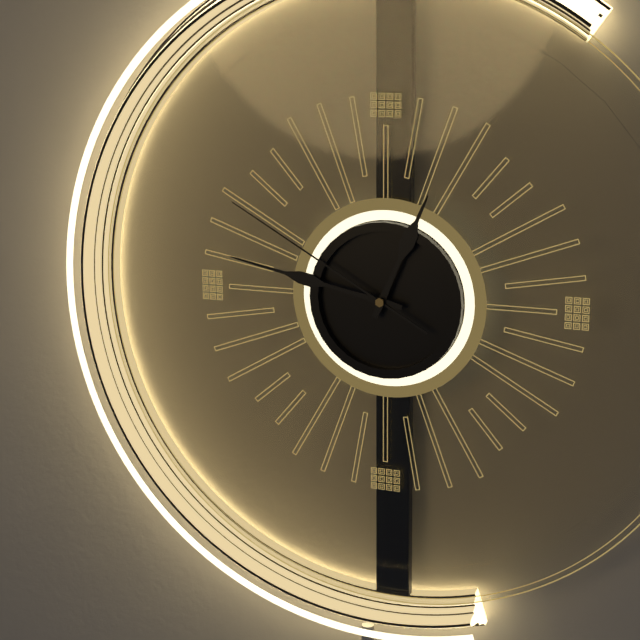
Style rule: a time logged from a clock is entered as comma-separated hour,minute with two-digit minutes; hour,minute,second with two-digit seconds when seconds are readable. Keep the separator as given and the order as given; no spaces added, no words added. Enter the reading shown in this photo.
12,47,50
